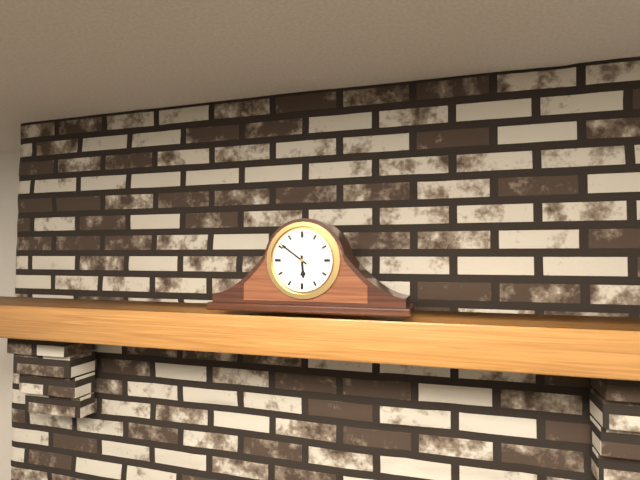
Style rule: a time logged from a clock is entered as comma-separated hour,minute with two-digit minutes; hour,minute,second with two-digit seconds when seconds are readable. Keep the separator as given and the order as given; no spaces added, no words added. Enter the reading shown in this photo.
5,51
